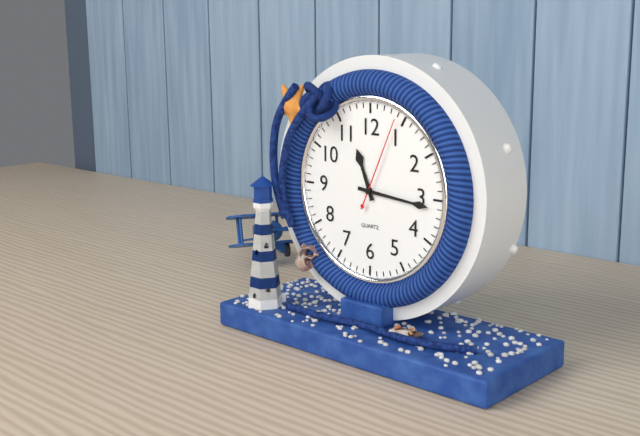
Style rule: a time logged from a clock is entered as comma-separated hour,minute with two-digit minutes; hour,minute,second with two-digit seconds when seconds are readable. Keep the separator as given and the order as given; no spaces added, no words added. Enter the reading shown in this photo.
11,16,04
